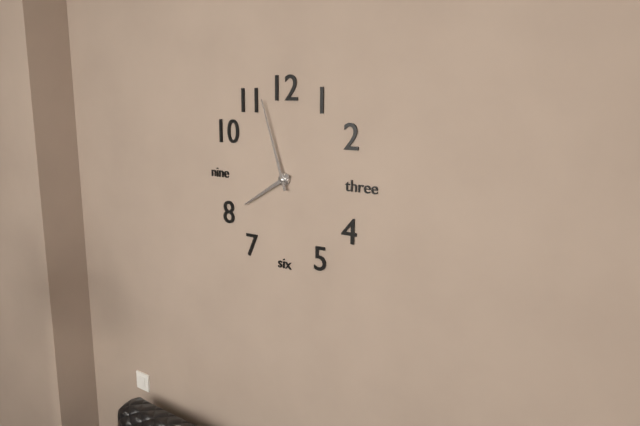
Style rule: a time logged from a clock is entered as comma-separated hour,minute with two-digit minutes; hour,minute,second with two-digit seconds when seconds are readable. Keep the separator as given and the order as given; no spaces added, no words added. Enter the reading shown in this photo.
7,57
